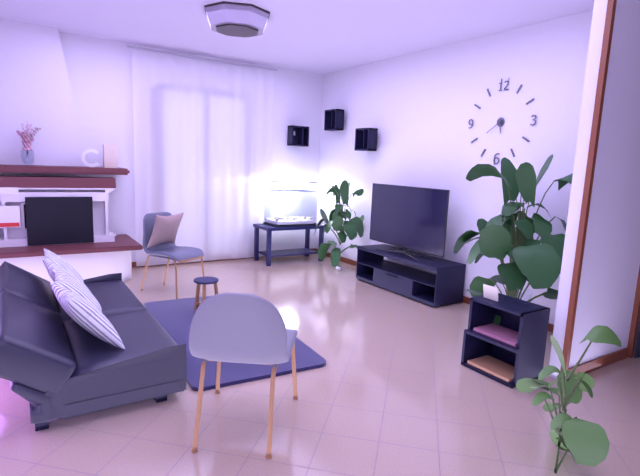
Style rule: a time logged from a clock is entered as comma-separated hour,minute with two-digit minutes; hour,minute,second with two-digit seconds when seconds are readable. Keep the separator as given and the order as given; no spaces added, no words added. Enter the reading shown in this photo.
5,39
